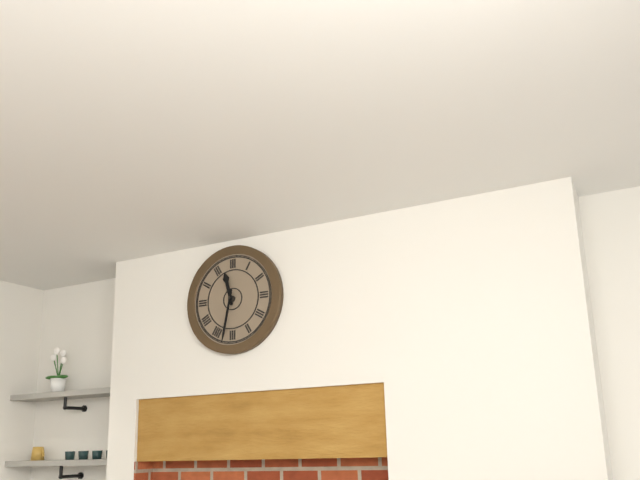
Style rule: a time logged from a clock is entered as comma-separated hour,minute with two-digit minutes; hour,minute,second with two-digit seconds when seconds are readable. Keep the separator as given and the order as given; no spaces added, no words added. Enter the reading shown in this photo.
11,32
